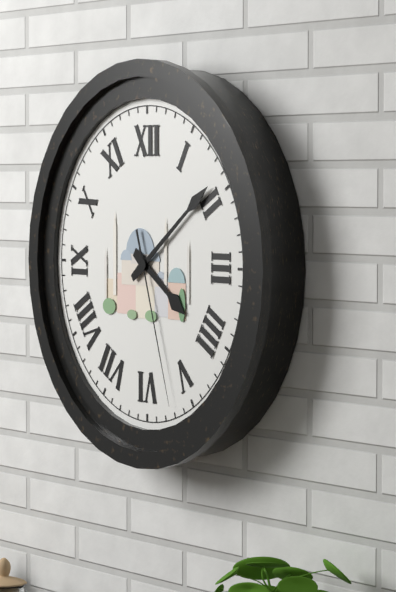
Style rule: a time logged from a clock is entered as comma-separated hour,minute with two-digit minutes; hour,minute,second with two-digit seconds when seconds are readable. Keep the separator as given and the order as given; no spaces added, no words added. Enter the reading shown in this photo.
4,09,27
